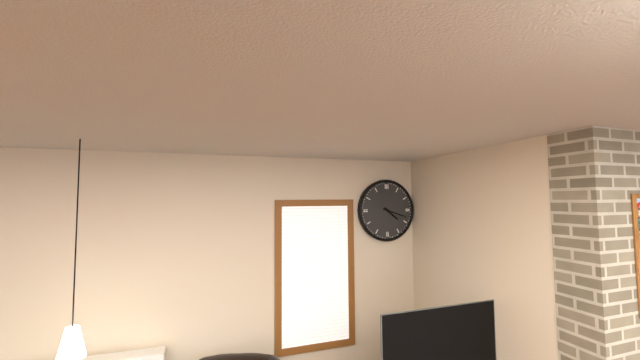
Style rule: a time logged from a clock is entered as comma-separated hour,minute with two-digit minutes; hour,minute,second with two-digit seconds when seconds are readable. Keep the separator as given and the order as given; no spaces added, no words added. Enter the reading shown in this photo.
4,18
